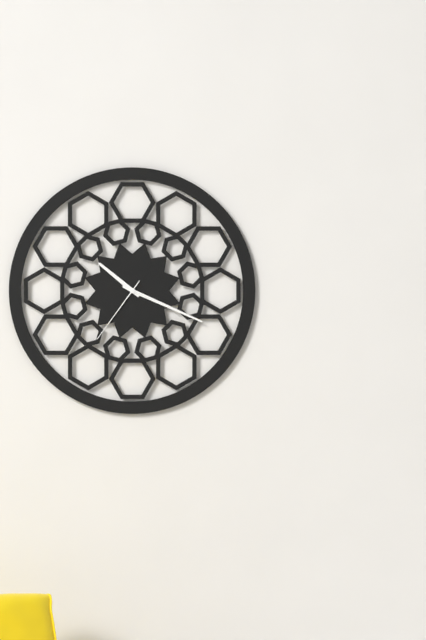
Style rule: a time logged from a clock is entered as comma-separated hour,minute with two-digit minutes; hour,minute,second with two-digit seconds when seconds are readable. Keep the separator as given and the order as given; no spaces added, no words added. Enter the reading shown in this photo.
10,19,36
